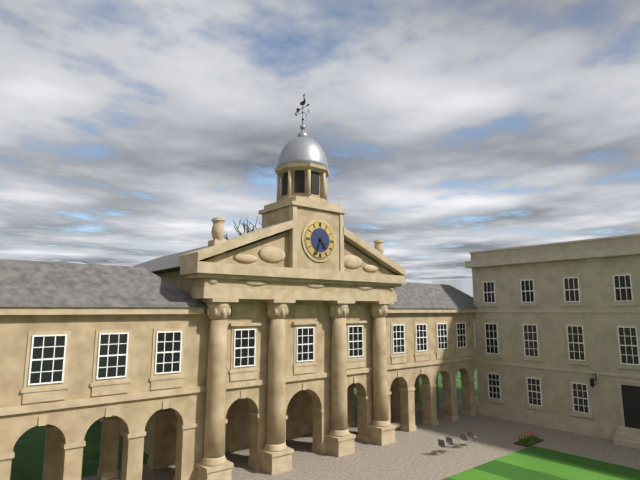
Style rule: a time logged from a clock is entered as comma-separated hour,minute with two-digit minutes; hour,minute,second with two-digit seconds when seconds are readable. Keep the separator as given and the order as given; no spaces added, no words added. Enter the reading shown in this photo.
4,34
